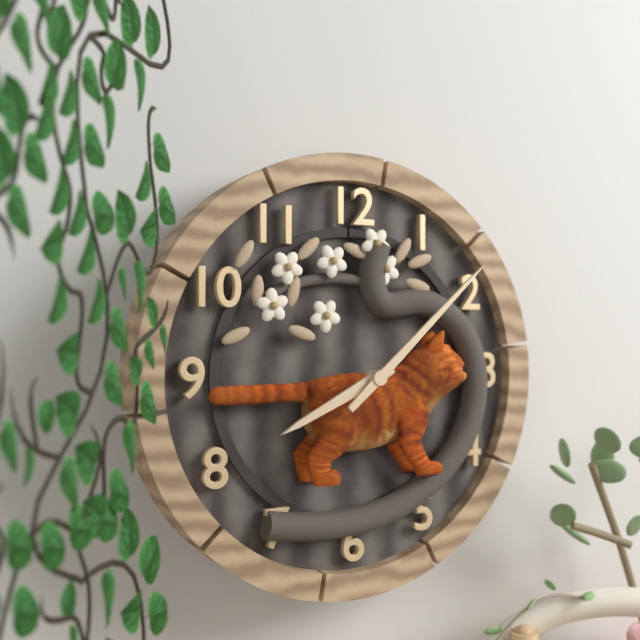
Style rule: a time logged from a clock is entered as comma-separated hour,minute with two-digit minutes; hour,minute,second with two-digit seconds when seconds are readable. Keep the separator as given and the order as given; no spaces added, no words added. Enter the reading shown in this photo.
8,08
